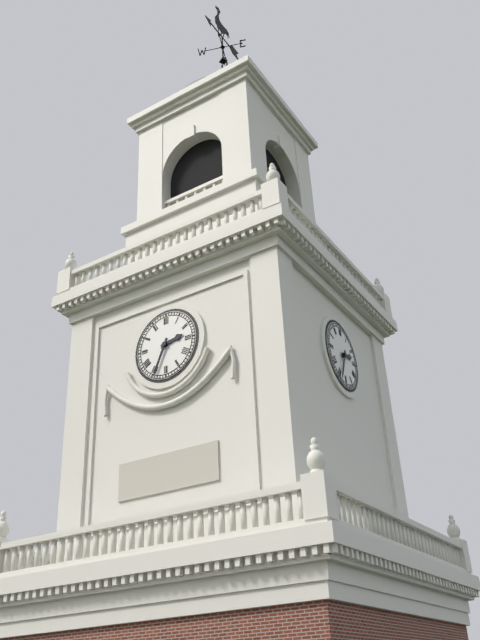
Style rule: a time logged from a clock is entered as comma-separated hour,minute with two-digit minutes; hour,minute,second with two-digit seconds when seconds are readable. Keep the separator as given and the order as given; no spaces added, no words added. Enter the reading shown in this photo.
2,34
